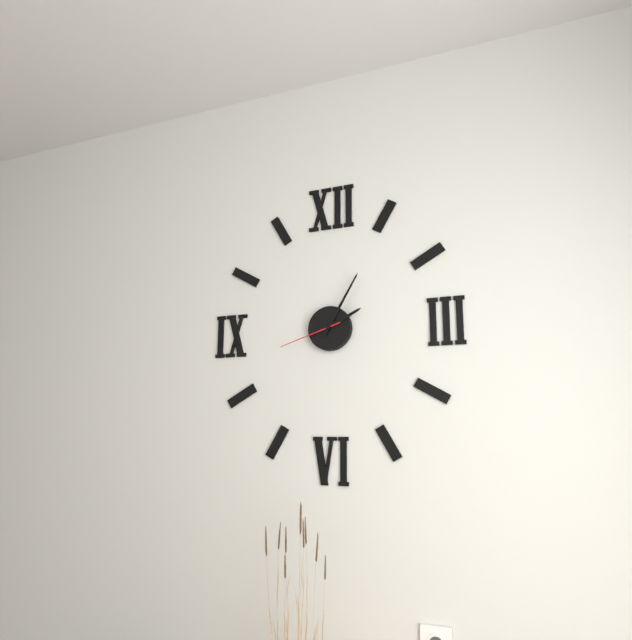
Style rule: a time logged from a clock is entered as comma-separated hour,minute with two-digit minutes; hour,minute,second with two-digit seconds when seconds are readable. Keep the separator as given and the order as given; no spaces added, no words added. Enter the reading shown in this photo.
2,05,42
